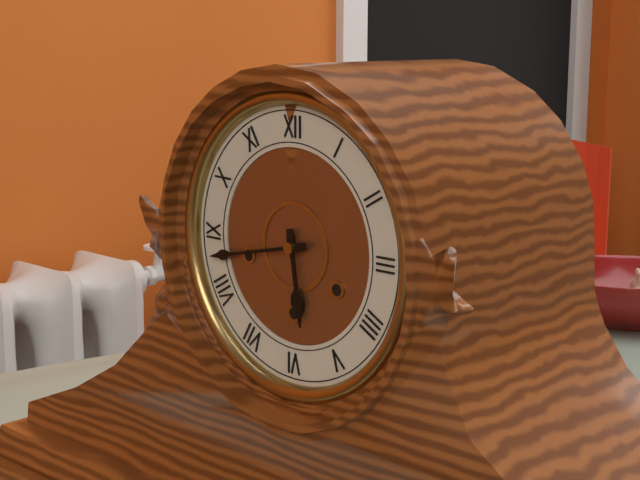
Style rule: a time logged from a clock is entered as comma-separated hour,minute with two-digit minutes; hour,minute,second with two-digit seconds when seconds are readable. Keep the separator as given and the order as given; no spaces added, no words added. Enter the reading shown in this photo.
5,43
